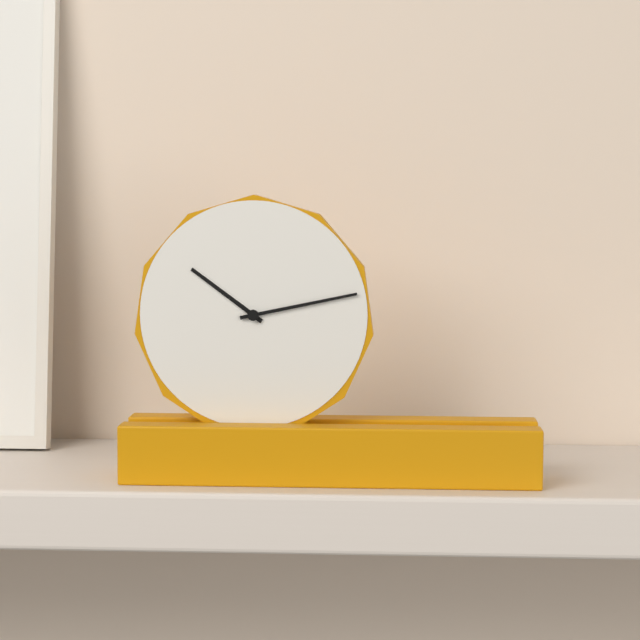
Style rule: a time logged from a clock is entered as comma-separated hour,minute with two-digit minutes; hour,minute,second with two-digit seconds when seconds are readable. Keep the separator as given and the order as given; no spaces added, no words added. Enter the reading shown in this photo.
10,13
